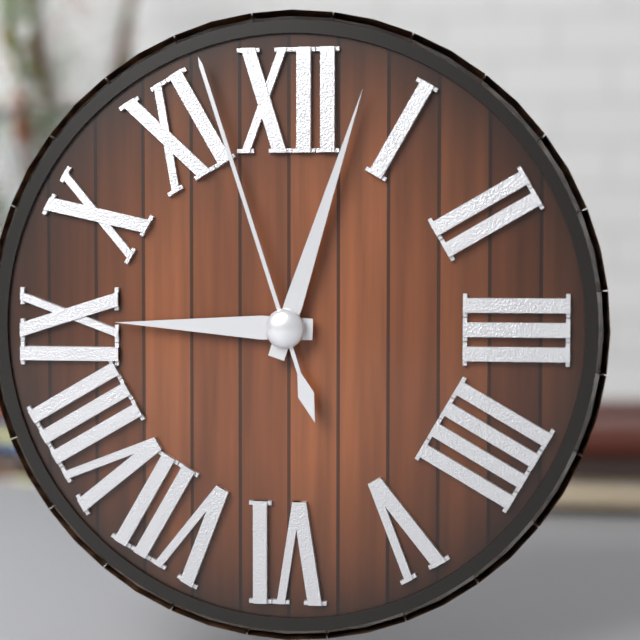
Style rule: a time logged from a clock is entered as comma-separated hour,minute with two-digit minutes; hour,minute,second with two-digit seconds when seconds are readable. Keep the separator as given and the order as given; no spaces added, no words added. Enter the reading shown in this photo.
9,03,57
